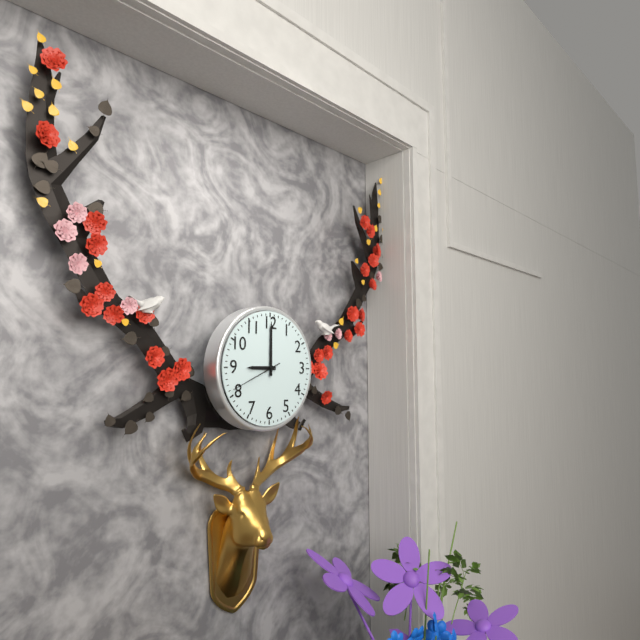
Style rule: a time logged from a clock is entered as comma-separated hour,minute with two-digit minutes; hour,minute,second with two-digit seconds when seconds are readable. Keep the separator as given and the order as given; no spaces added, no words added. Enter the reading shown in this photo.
9,00,41
